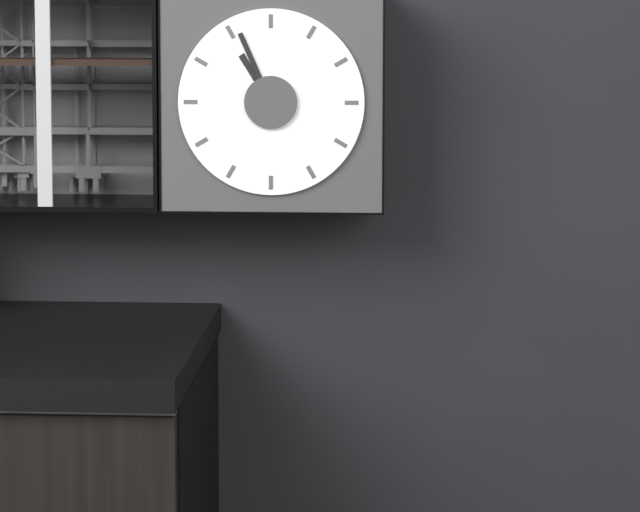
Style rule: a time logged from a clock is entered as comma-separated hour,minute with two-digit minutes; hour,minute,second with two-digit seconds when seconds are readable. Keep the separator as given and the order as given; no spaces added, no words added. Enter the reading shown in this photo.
10,56
